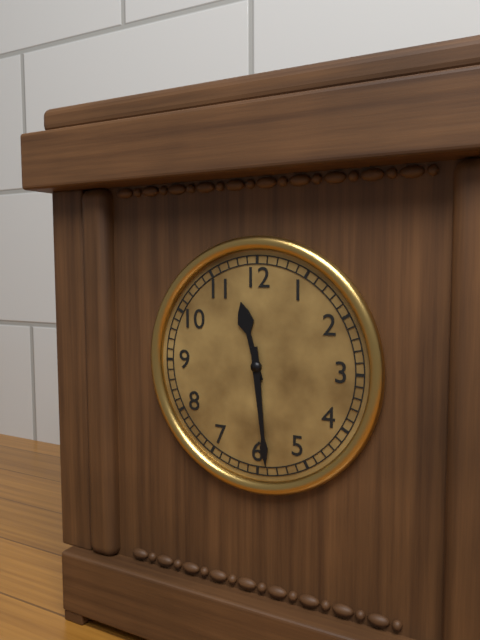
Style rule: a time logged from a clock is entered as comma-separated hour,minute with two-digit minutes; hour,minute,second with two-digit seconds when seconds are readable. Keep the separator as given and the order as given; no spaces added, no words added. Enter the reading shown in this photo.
11,29
